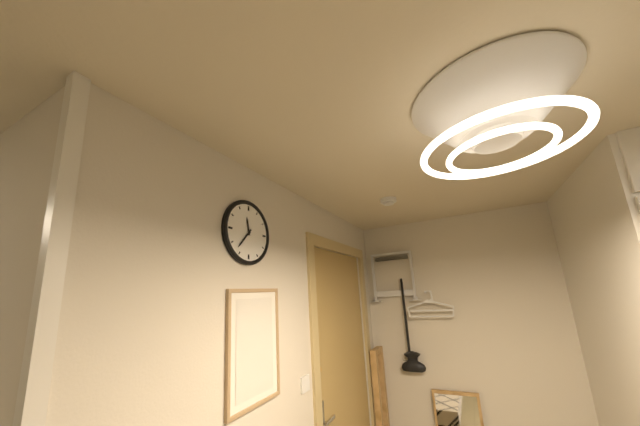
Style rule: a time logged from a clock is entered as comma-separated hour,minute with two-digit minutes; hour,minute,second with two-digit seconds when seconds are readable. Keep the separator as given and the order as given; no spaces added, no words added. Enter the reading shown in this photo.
11,37
